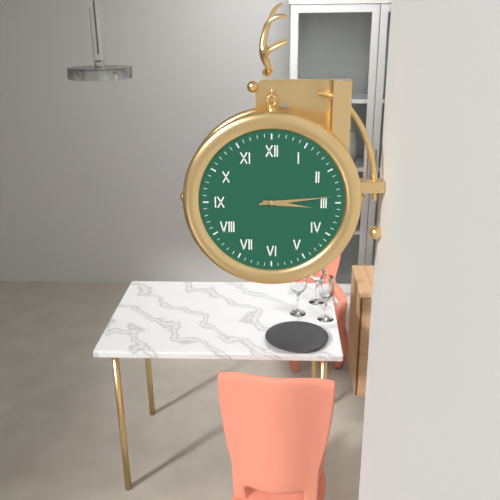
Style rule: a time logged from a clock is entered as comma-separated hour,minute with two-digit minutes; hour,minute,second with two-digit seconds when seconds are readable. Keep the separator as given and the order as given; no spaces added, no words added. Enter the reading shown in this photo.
3,14
